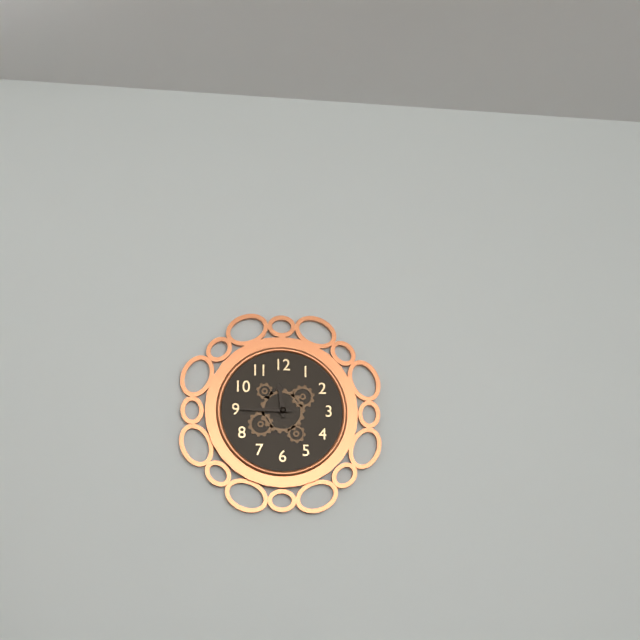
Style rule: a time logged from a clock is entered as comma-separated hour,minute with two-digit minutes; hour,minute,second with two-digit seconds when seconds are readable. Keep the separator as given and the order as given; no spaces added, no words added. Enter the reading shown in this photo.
11,45
